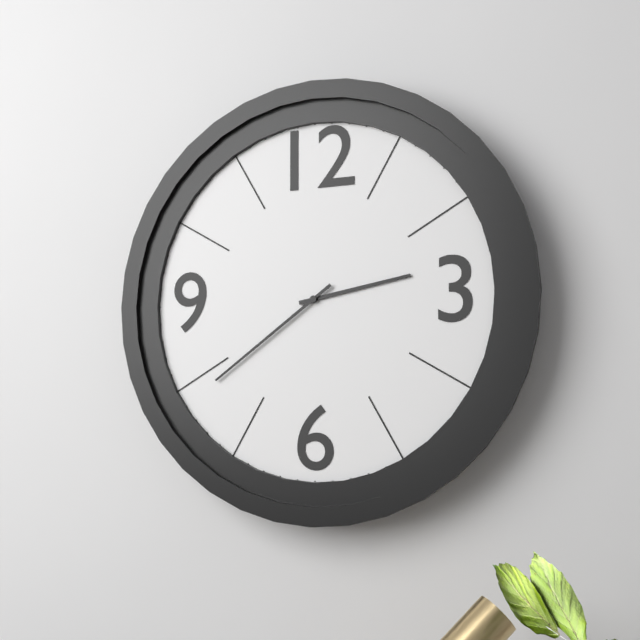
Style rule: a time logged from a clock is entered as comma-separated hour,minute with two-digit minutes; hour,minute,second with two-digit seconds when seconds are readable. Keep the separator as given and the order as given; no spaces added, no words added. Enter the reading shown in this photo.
2,39
